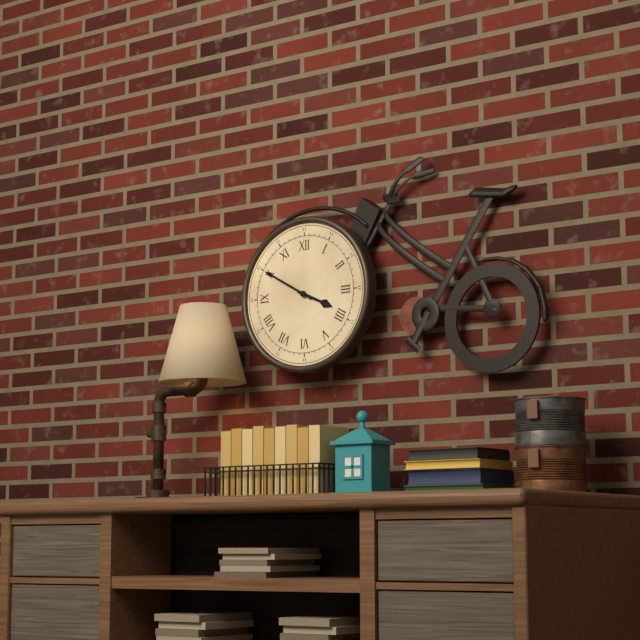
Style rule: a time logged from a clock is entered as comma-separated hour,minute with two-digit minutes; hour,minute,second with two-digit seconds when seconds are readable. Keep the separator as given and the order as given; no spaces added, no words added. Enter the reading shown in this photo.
3,50
